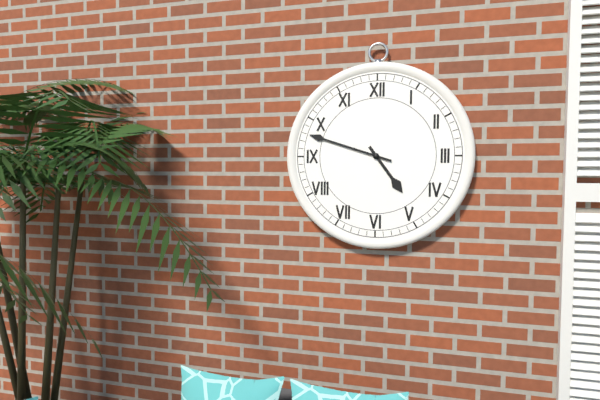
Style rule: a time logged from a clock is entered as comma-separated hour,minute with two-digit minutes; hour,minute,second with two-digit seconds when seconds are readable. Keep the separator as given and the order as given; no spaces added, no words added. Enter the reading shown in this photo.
4,48
